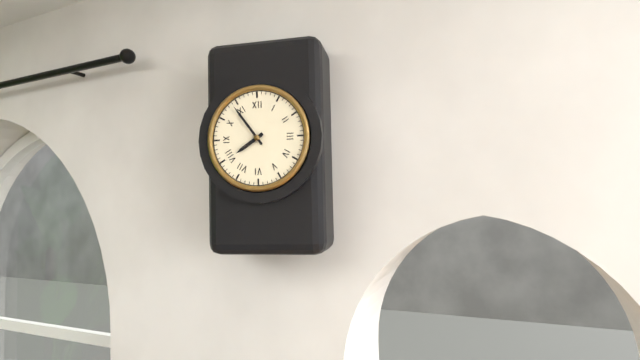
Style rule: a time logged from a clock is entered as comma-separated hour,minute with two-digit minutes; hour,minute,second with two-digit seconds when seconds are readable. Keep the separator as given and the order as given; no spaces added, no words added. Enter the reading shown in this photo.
7,54
